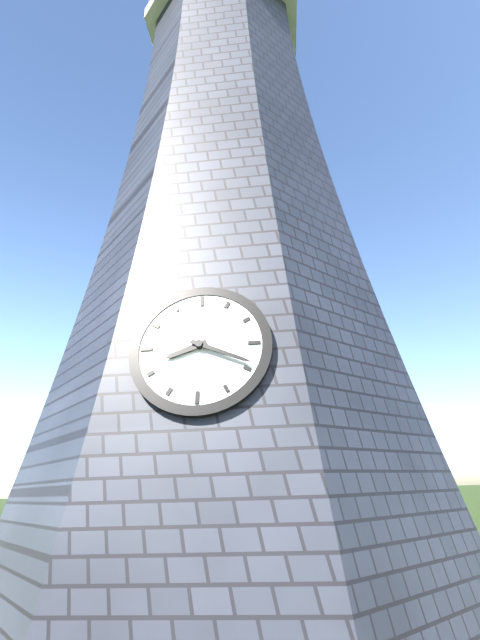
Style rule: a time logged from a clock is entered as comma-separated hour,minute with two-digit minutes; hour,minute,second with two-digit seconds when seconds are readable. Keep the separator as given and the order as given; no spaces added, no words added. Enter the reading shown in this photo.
8,19
